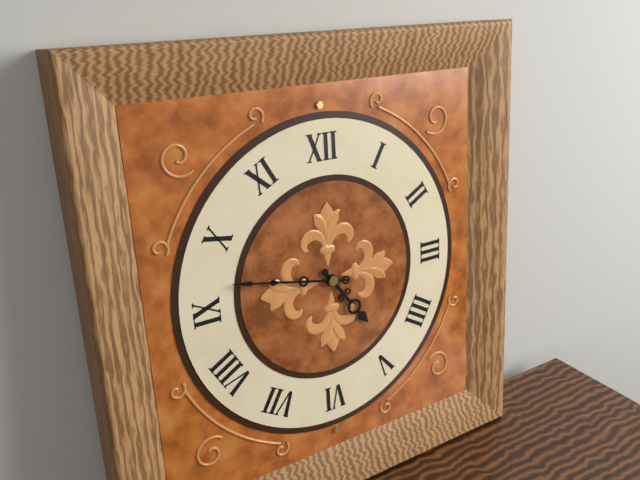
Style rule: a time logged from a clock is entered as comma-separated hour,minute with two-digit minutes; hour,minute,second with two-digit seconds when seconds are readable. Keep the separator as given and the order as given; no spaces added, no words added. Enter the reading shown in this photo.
4,47
